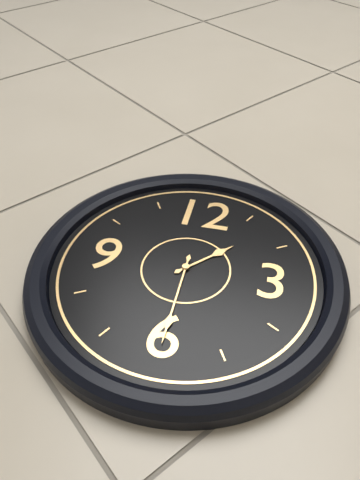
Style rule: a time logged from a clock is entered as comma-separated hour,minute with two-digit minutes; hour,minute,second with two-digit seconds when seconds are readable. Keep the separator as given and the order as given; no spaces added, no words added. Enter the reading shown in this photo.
1,30
